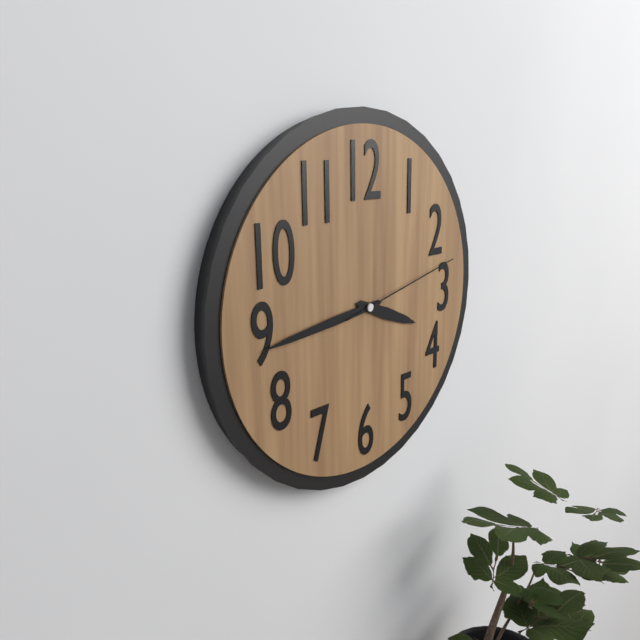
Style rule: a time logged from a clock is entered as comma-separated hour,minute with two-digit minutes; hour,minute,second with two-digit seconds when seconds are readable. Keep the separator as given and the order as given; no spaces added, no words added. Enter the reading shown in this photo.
3,44,13
